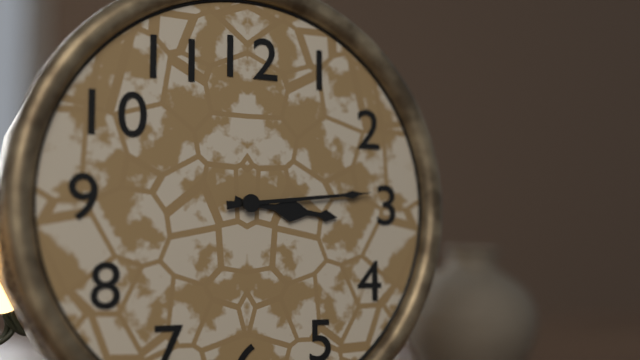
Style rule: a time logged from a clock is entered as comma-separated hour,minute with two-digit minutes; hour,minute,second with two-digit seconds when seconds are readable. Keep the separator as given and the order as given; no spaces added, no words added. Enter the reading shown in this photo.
3,14
